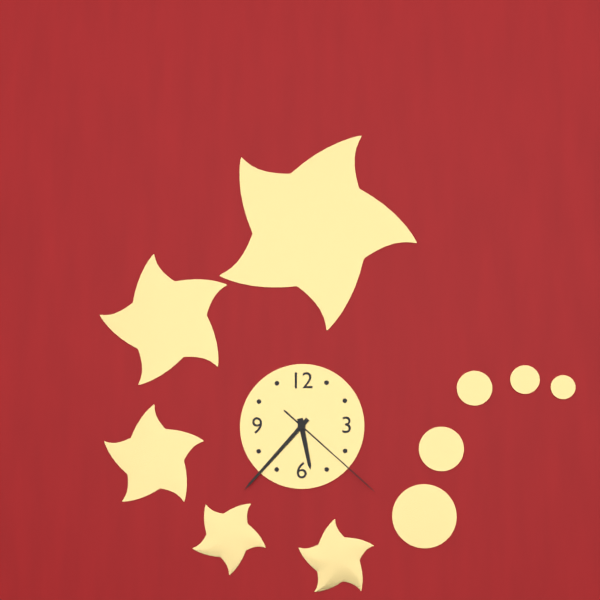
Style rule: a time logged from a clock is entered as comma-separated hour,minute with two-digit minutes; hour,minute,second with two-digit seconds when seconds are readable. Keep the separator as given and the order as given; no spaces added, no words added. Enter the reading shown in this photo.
5,37,22
